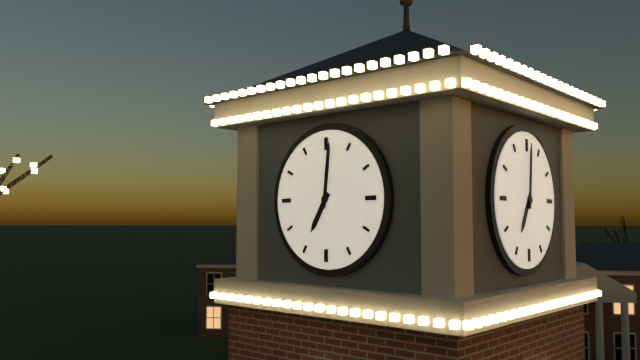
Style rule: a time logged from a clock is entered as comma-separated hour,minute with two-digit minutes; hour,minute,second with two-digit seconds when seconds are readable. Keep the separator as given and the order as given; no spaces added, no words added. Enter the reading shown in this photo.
7,01
